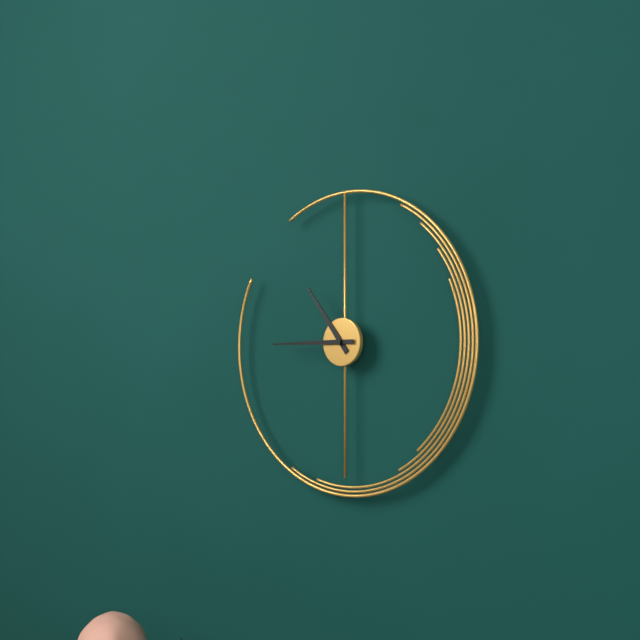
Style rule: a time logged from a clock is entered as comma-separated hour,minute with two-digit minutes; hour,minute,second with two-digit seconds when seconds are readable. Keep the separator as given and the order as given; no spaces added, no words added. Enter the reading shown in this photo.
10,45
